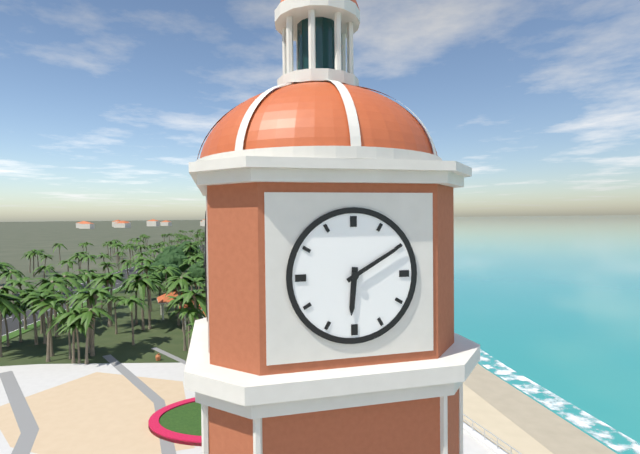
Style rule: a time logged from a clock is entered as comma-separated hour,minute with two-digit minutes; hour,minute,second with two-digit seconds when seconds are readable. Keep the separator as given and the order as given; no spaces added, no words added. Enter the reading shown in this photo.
6,10
